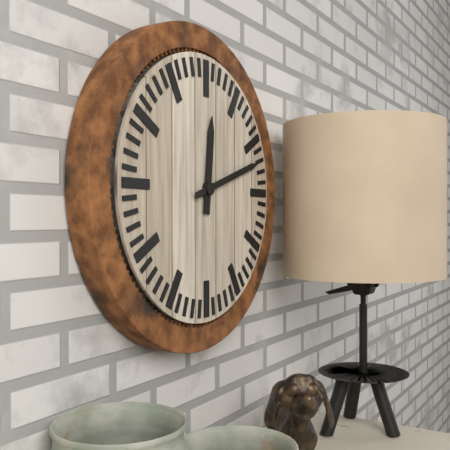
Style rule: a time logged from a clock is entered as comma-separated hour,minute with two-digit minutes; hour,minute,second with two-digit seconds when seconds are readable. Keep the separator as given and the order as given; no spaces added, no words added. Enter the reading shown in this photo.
12,12
